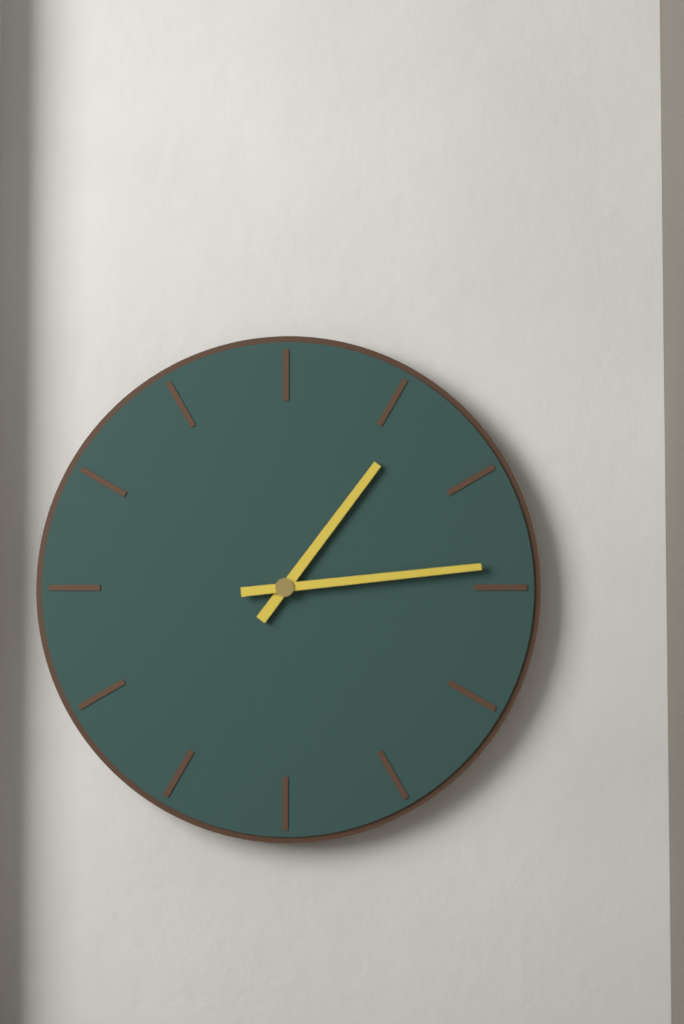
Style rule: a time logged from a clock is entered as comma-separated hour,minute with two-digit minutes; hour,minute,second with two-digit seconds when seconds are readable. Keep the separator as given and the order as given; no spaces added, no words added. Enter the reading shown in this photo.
1,14
